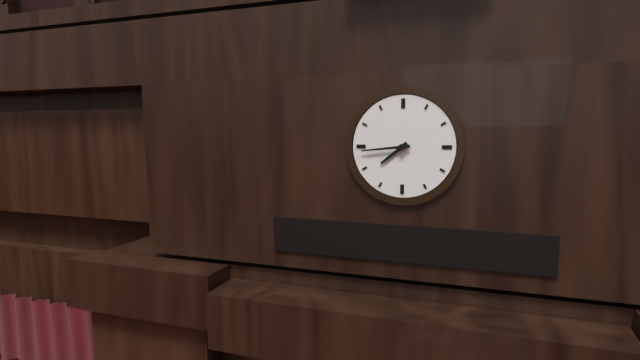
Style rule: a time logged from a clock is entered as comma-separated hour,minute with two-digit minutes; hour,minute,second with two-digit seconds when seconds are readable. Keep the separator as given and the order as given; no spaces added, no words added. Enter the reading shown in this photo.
7,44
